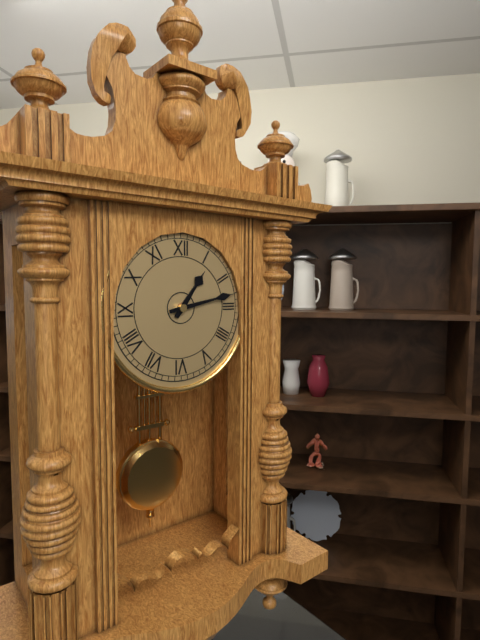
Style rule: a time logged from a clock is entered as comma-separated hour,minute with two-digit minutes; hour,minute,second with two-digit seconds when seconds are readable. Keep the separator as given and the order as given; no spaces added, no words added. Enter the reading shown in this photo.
1,13
